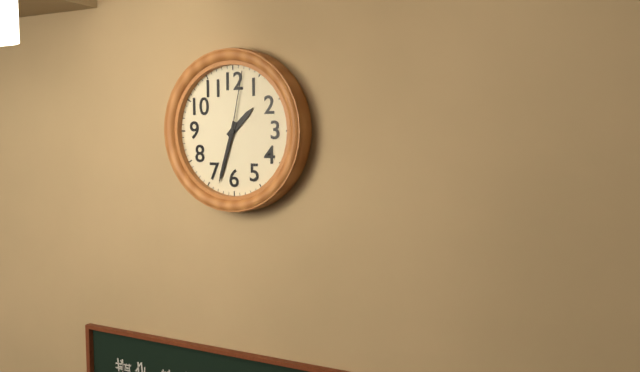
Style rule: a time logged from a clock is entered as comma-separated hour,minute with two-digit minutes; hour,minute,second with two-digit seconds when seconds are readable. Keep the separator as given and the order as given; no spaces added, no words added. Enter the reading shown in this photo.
1,33,02
